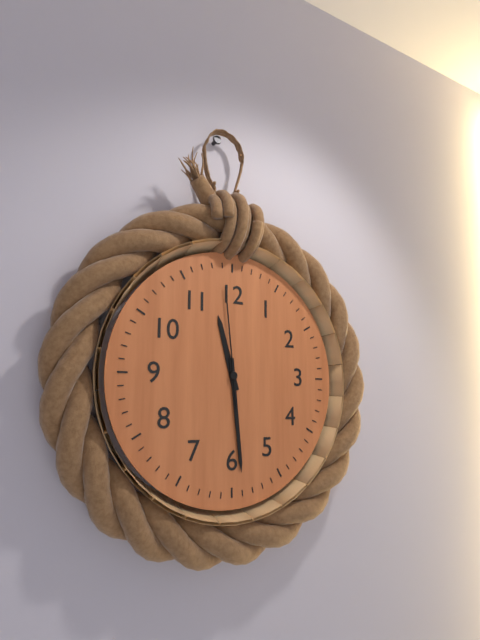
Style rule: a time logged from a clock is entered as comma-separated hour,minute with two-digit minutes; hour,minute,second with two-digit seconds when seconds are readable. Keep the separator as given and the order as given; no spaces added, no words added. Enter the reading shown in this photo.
11,29,59
